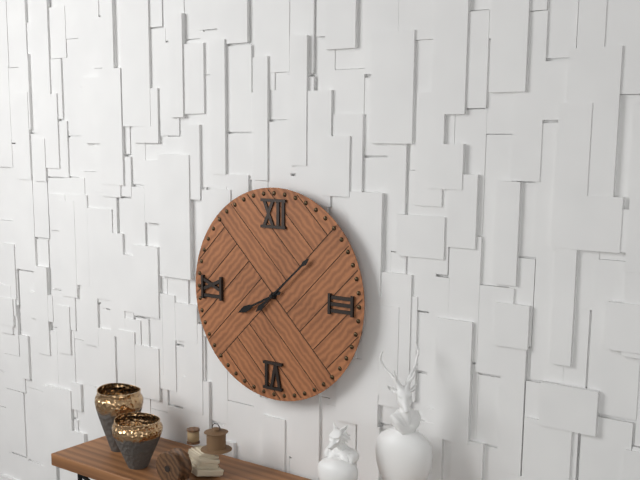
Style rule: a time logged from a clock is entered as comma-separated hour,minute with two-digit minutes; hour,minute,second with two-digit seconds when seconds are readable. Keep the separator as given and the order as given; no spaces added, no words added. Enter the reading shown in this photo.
8,08
